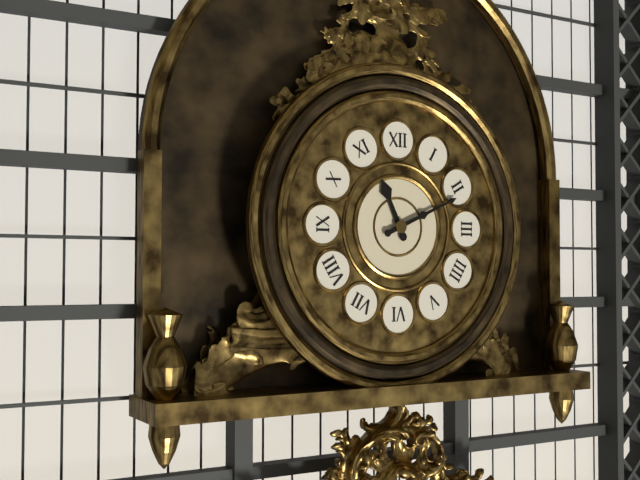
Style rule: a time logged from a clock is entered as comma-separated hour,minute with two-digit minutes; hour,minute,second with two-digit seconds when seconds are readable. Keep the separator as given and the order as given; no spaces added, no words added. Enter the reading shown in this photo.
11,11
